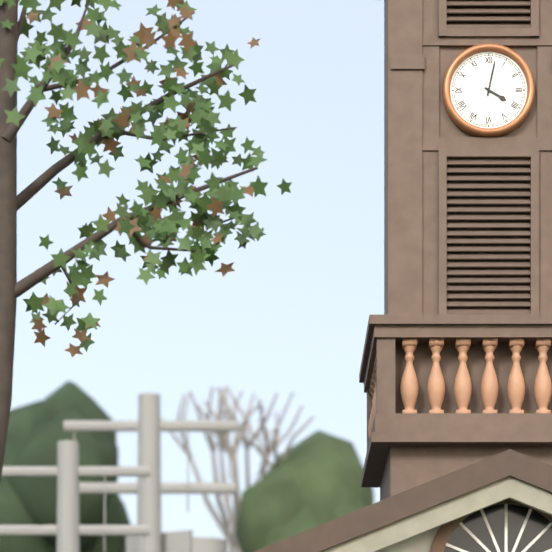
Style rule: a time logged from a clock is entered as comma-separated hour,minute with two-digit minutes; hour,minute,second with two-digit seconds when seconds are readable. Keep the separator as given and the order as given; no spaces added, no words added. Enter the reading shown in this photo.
4,02
